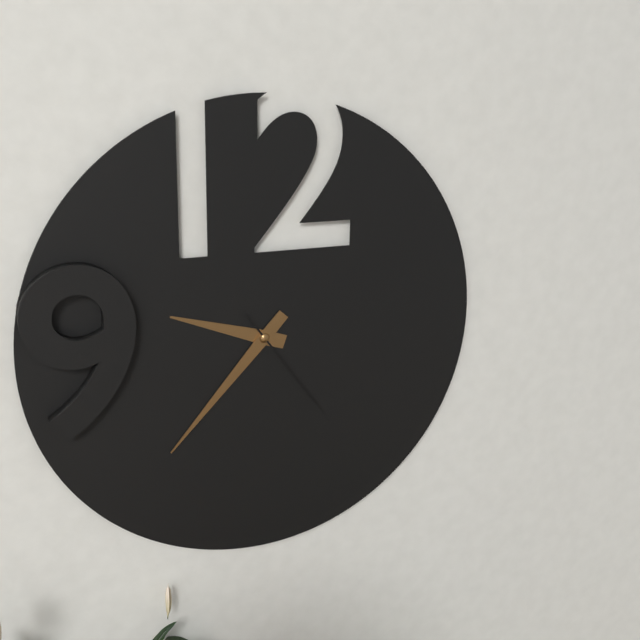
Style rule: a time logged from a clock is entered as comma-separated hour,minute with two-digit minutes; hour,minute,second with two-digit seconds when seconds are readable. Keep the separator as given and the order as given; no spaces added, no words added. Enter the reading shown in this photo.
9,37,24
